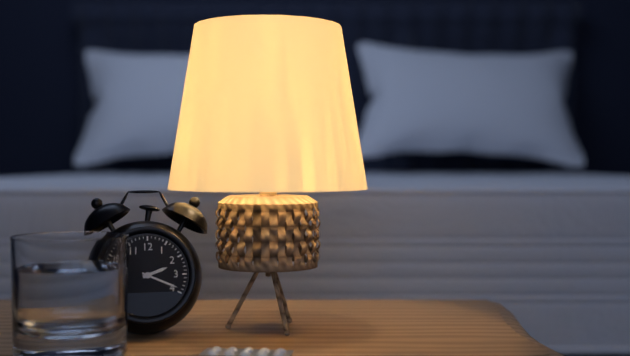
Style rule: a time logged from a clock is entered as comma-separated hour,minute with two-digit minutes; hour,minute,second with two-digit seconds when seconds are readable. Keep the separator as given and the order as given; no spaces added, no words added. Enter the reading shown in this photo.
2,19
